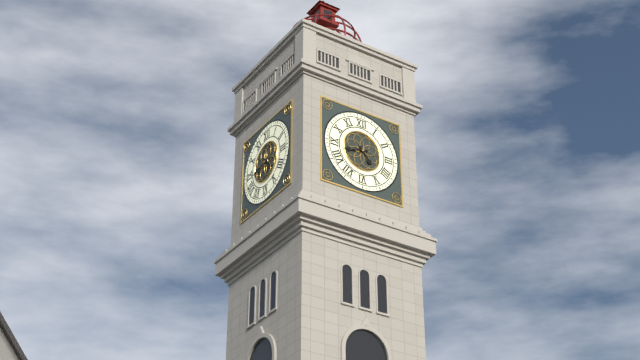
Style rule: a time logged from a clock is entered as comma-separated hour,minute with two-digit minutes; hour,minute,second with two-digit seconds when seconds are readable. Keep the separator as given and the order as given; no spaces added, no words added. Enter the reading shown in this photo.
4,43
